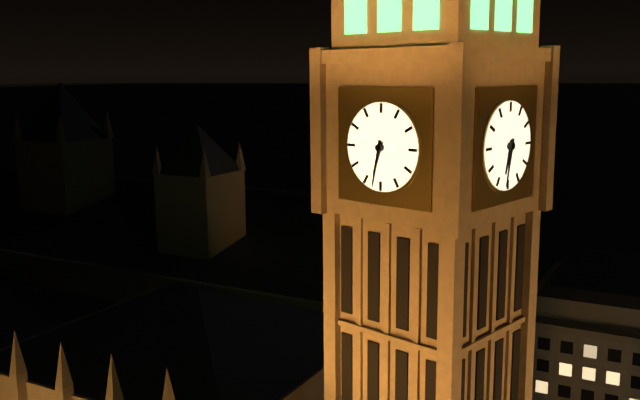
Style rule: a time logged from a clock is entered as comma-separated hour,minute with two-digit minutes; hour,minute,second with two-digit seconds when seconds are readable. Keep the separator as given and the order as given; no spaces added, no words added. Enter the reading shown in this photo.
6,32
